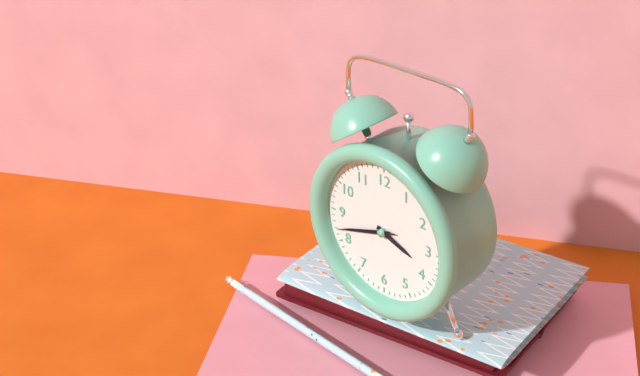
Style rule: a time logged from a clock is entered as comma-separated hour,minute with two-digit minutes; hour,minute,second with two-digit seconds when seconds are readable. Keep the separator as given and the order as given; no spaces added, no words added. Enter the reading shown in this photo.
3,42,42
